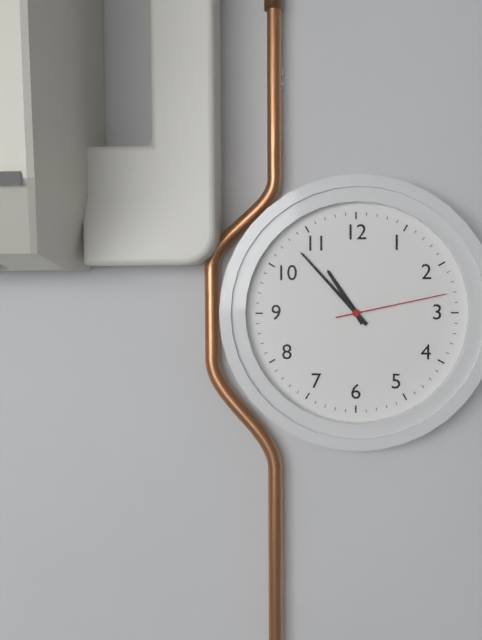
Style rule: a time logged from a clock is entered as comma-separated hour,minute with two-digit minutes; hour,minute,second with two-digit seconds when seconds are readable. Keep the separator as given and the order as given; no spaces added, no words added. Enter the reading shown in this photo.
10,53,13
